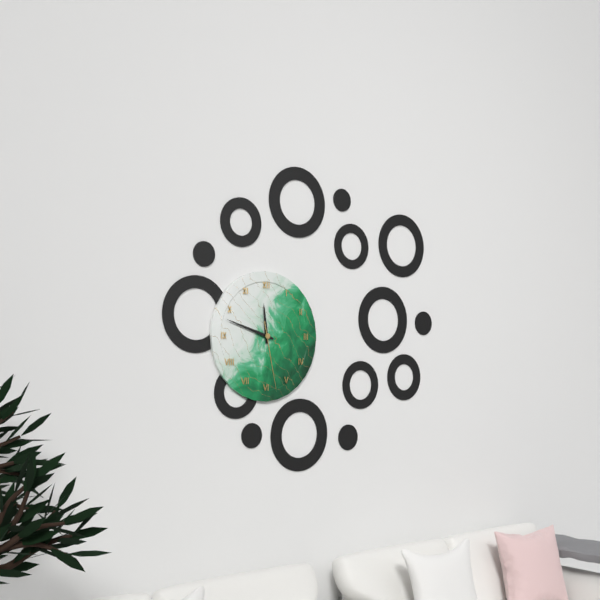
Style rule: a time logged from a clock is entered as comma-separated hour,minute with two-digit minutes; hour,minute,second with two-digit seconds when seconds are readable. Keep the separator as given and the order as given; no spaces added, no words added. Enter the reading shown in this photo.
11,48,28
